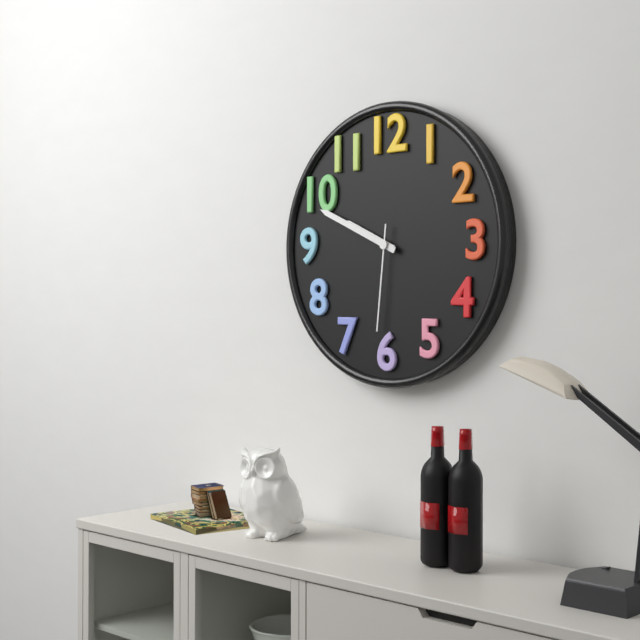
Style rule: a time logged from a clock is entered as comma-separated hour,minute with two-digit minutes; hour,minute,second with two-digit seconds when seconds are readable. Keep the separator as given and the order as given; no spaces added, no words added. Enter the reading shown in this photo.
9,49,31
